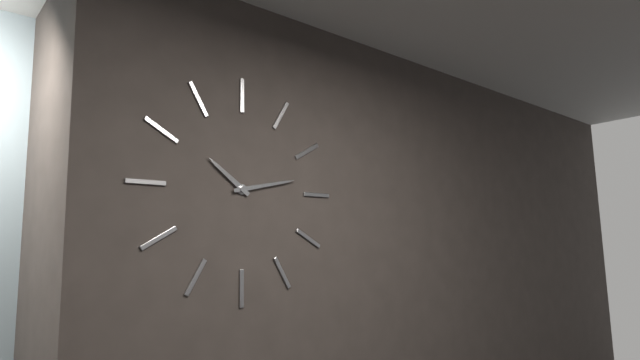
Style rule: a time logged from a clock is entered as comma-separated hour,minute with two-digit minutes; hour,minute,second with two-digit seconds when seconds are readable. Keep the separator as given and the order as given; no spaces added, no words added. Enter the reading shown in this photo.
10,13
